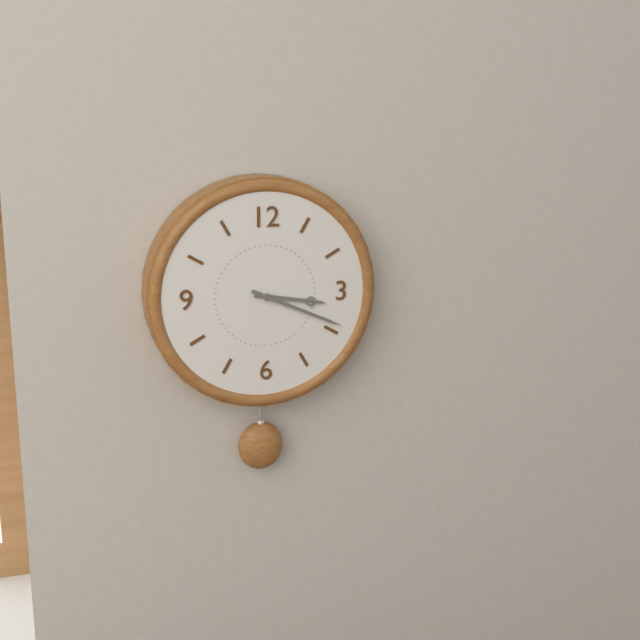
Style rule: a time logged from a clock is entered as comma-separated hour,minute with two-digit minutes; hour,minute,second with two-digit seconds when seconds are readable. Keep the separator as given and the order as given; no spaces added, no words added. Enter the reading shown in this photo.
3,19
